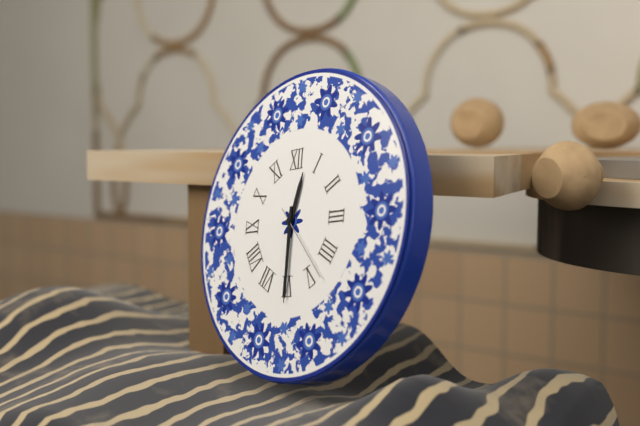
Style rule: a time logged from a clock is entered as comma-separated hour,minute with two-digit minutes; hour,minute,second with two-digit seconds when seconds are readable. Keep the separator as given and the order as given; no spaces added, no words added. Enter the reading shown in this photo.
12,30,23
